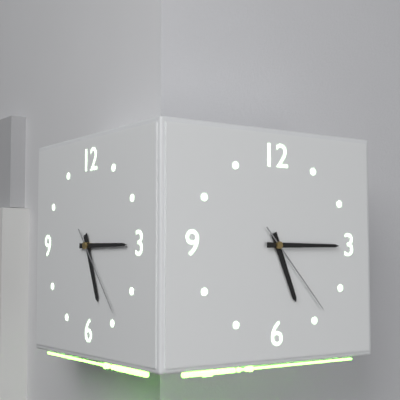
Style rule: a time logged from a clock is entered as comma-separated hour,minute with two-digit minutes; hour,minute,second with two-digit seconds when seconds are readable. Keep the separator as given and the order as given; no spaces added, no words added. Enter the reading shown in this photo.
5,15,23
